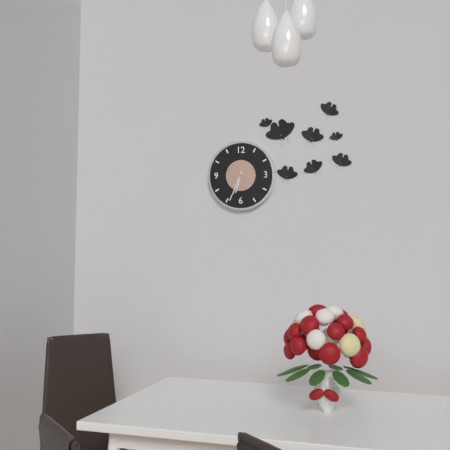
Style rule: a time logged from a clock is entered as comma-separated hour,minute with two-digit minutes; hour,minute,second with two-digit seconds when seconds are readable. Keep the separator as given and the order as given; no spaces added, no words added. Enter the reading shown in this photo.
6,34
